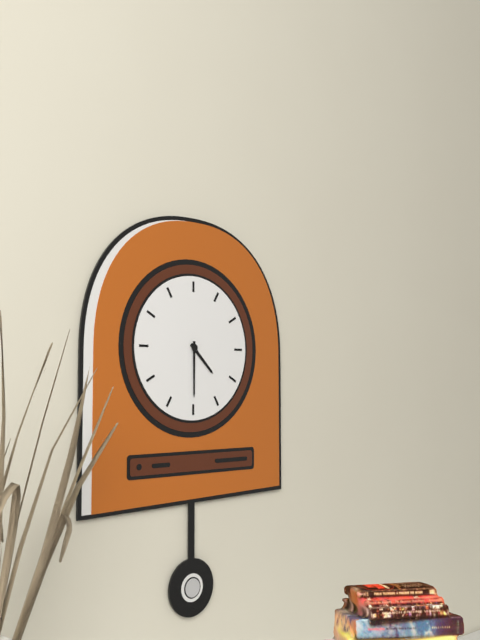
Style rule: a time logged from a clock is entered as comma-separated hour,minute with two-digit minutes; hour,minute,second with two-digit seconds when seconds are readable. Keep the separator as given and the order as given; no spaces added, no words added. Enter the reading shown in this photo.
4,30
